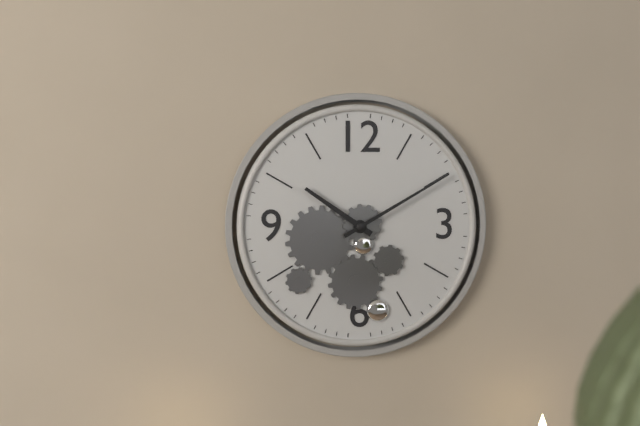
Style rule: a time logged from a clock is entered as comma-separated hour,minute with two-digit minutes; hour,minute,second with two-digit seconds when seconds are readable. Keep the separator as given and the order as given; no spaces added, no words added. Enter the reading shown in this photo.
10,10
